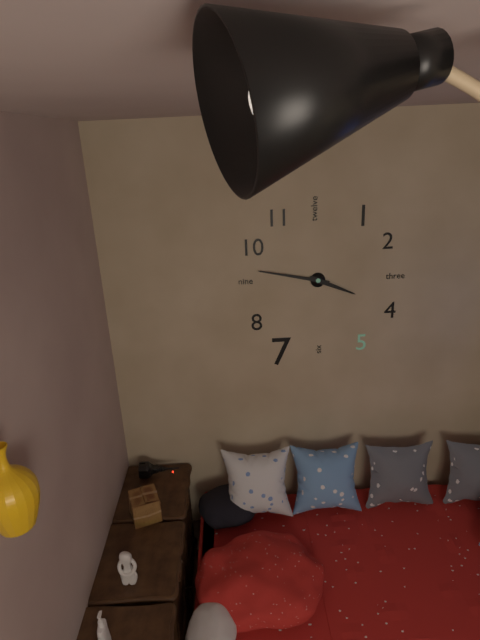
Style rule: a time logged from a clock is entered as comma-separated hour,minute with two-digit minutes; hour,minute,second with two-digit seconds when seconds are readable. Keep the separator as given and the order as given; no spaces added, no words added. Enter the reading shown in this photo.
3,47
